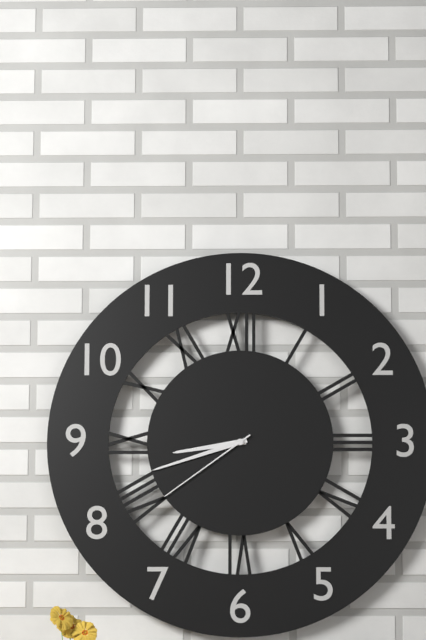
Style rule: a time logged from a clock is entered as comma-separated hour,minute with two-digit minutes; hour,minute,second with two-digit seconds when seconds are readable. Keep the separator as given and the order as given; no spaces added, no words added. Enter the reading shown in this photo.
8,42,39
